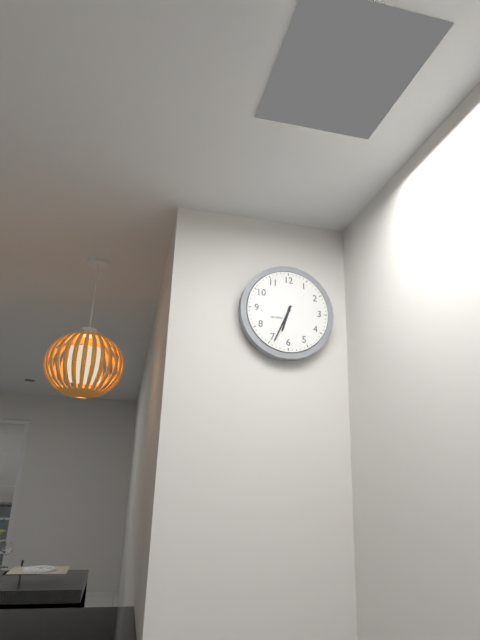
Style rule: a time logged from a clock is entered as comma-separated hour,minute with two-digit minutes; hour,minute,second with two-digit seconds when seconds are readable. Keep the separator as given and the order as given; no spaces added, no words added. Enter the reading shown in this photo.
6,34
